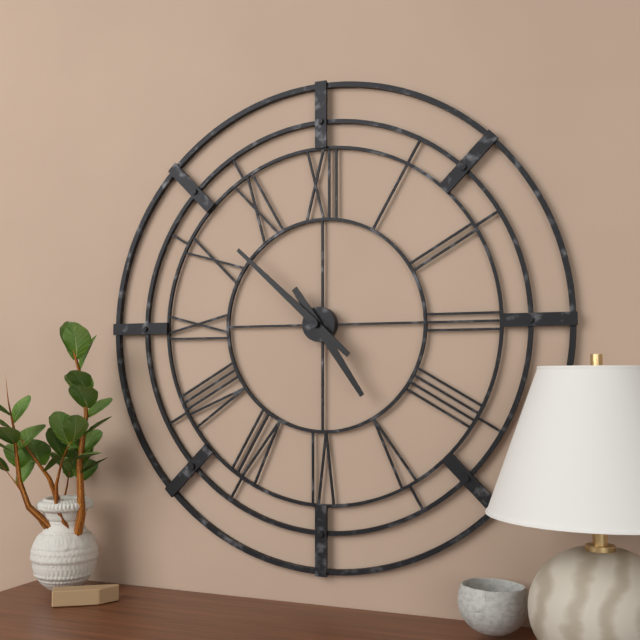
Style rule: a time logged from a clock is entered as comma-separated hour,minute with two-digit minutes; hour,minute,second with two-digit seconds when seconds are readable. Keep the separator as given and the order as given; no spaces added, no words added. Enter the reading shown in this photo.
4,52
